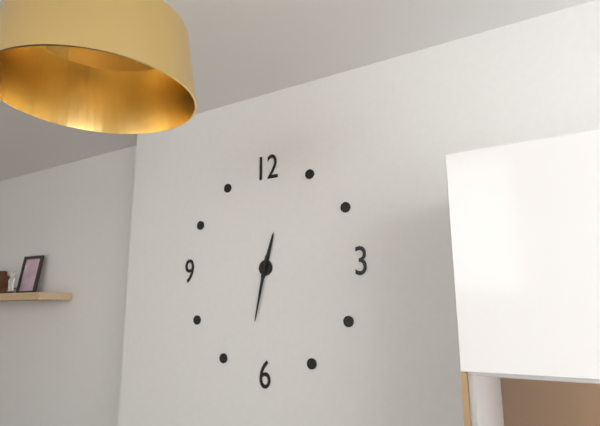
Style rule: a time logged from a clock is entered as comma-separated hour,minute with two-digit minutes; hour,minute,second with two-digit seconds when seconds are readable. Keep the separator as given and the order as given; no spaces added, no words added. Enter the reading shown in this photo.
12,32
